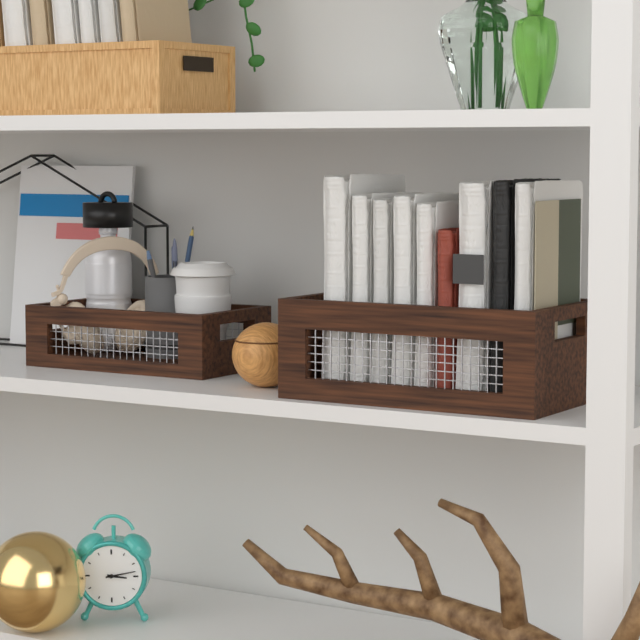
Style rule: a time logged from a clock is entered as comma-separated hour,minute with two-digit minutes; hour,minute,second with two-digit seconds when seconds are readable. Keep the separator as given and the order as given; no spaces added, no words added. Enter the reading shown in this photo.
3,13
